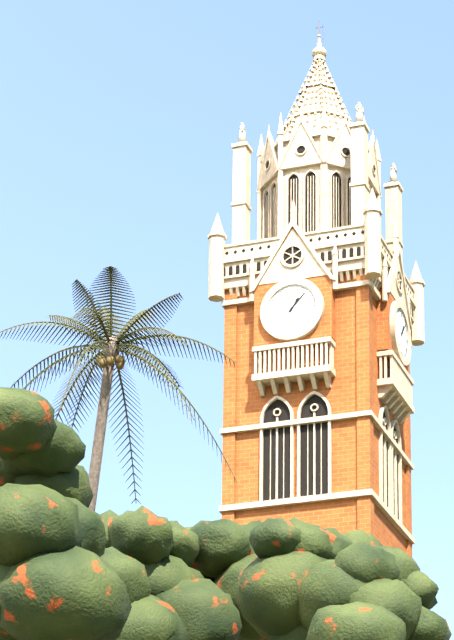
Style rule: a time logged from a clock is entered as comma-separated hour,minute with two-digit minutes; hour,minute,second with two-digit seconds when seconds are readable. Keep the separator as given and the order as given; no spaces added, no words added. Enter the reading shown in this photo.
1,07
